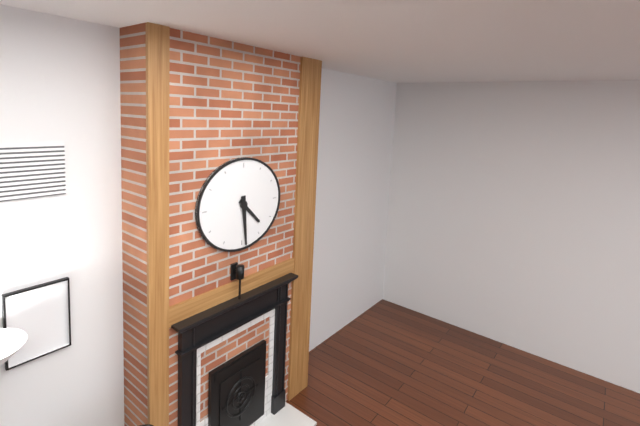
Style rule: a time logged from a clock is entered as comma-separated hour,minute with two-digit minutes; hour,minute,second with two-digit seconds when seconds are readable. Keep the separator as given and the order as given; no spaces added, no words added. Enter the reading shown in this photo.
4,29
